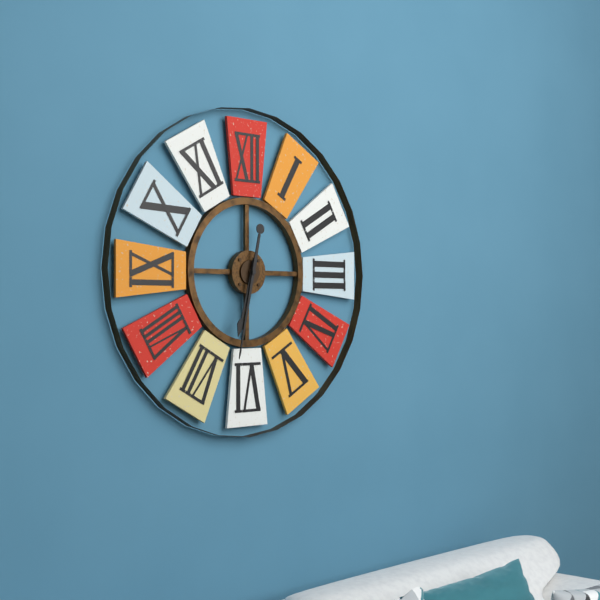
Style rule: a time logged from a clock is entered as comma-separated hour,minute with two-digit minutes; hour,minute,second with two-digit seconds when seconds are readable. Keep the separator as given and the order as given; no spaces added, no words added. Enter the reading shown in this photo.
6,32
